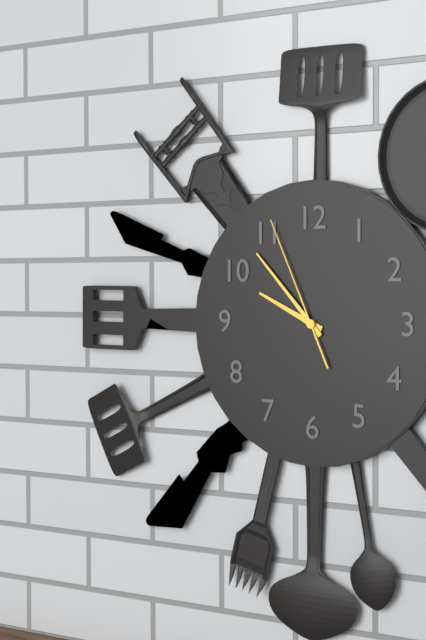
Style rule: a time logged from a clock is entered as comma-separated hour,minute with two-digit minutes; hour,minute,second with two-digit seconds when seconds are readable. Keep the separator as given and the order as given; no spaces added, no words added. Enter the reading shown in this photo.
9,53,56
